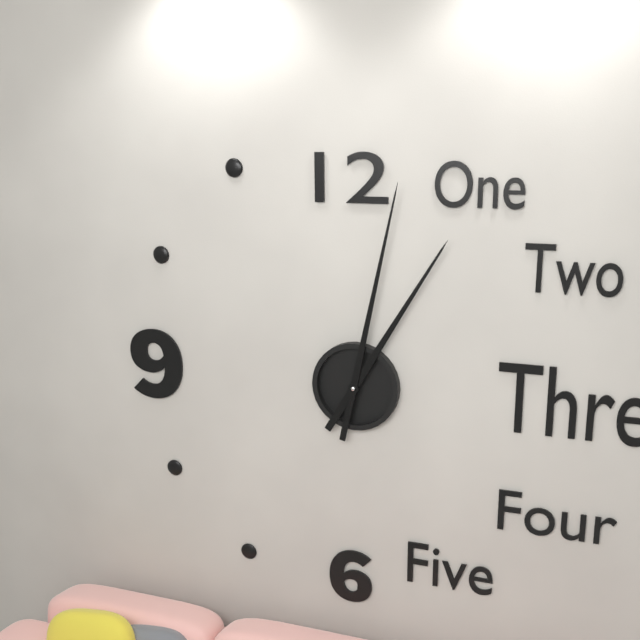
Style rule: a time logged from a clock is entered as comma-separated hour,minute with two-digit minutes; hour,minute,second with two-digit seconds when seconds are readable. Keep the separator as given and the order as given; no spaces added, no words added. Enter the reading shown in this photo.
1,02
